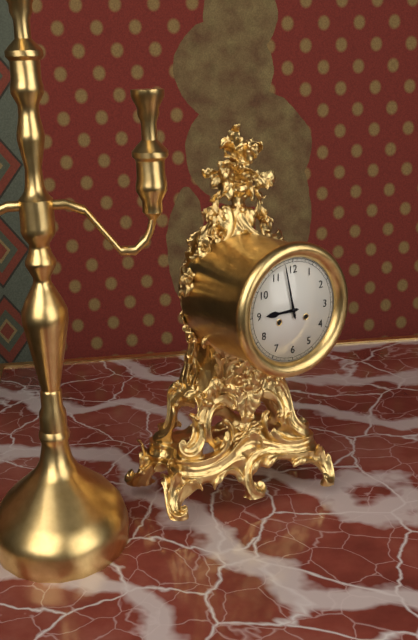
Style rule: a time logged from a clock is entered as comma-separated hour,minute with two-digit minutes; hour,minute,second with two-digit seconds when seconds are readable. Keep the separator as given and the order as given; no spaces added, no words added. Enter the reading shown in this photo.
8,58
